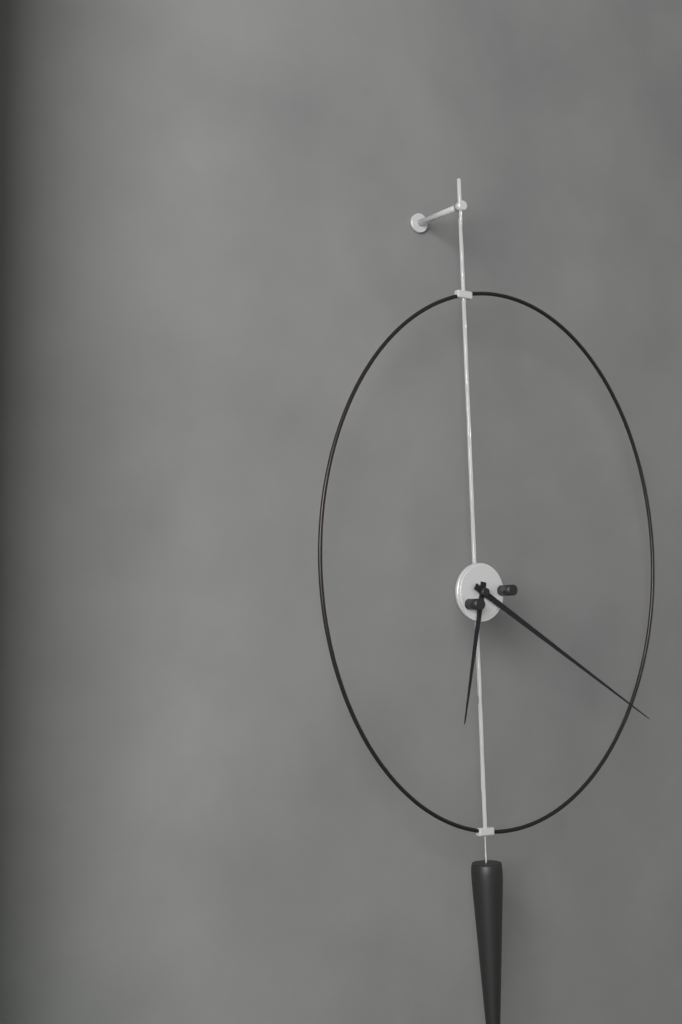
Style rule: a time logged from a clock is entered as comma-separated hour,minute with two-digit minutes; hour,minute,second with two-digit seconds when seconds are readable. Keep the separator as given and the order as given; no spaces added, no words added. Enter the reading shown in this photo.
6,20
